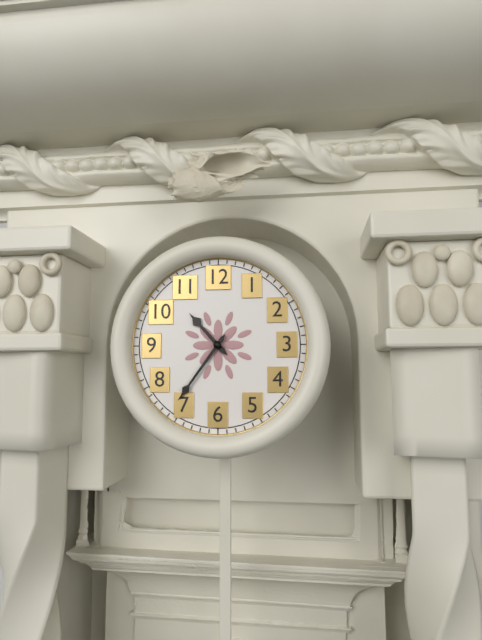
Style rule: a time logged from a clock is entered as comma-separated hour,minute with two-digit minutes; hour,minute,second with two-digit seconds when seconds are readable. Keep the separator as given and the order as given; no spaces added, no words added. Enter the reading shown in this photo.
10,36
